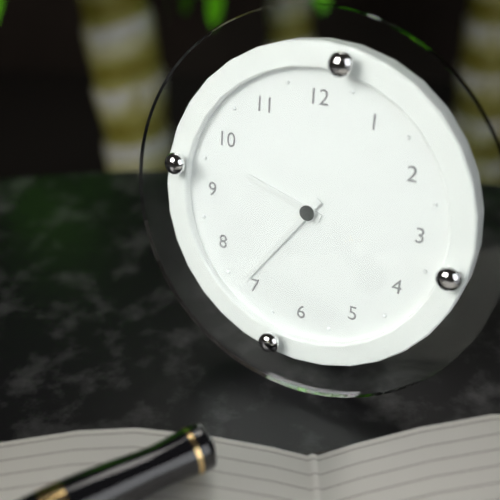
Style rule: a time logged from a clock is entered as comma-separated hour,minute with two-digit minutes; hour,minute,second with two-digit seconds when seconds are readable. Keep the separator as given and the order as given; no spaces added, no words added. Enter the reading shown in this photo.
9,36
